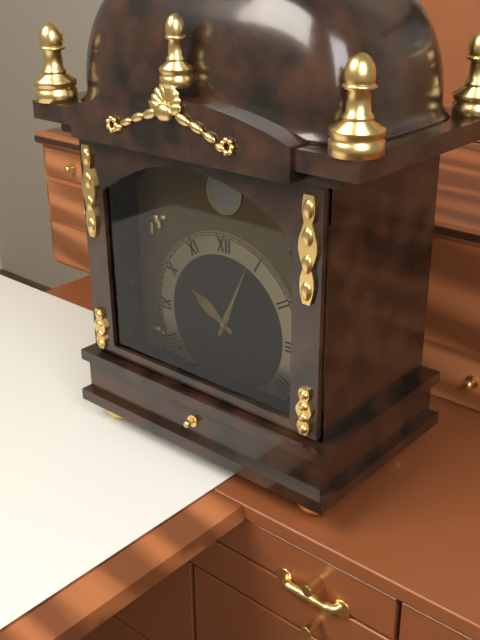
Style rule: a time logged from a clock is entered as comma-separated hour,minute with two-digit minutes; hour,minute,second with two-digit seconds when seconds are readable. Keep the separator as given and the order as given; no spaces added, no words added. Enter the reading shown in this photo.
10,04
